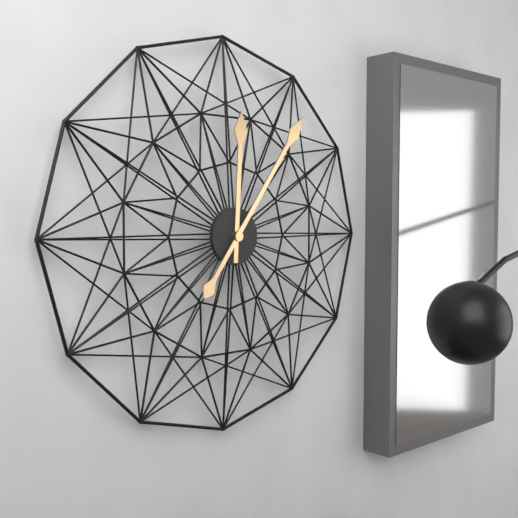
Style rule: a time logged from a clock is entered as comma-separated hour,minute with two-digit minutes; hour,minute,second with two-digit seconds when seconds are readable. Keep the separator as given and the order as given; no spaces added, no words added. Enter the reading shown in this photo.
12,06
